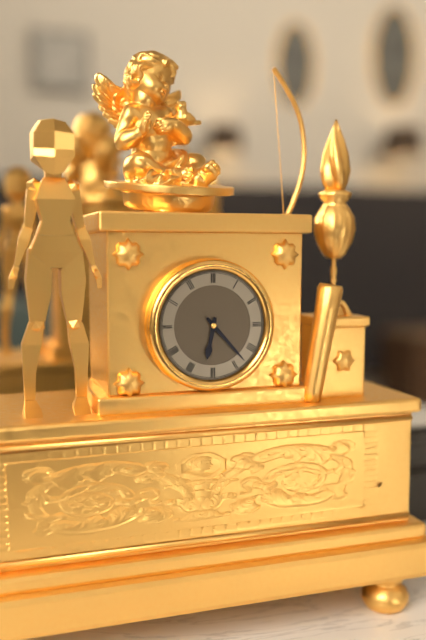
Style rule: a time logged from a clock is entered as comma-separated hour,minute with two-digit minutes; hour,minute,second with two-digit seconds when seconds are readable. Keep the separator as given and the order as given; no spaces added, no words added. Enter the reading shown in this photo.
6,23
